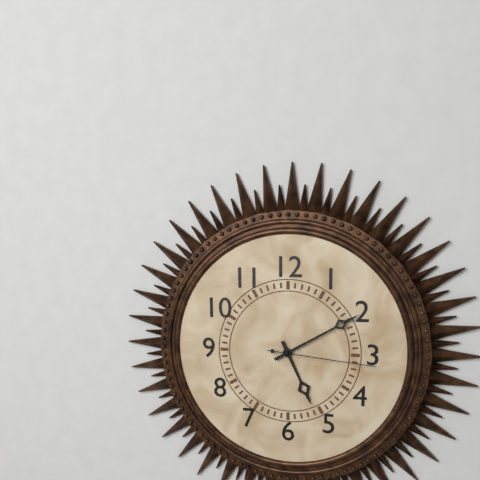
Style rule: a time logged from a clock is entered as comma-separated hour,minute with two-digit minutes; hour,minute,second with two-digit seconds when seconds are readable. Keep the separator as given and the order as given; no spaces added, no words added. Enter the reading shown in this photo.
5,10,16
